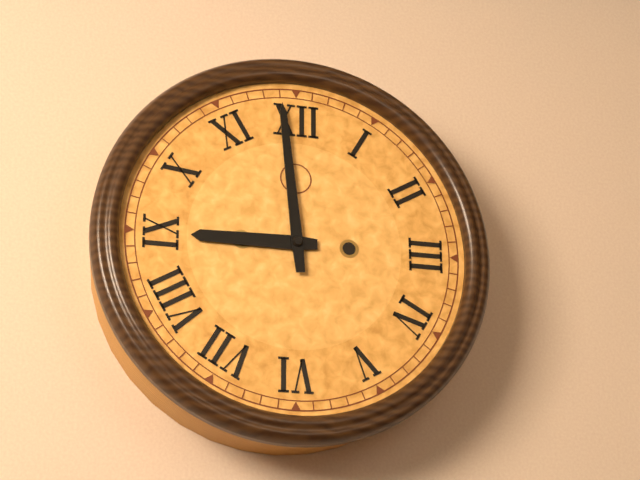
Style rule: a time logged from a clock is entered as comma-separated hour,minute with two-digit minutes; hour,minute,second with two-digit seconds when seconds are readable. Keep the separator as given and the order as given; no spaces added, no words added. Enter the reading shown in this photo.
8,59
